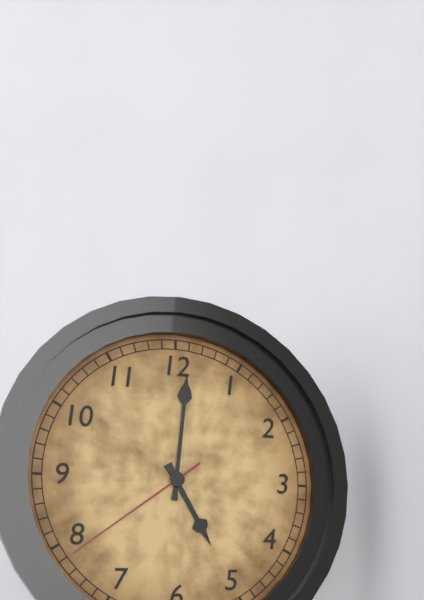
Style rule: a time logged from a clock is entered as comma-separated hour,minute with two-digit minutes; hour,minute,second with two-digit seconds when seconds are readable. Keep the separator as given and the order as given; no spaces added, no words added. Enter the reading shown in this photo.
5,01,39
